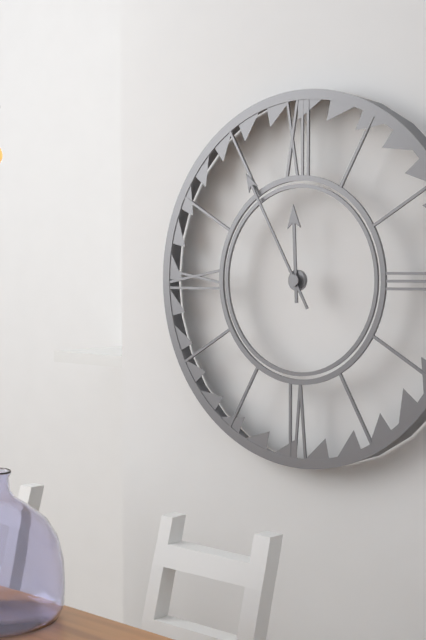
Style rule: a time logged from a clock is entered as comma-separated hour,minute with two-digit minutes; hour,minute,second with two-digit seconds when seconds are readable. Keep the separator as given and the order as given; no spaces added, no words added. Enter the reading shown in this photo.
11,55
